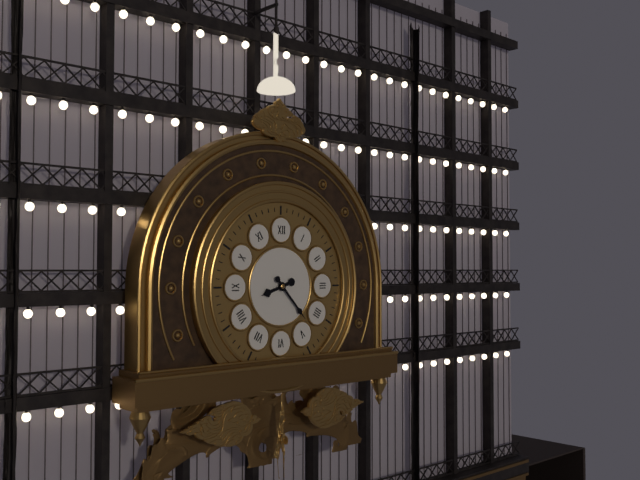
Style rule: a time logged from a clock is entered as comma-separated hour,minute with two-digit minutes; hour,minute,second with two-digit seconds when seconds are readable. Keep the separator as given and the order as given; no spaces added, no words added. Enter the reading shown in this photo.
8,23
